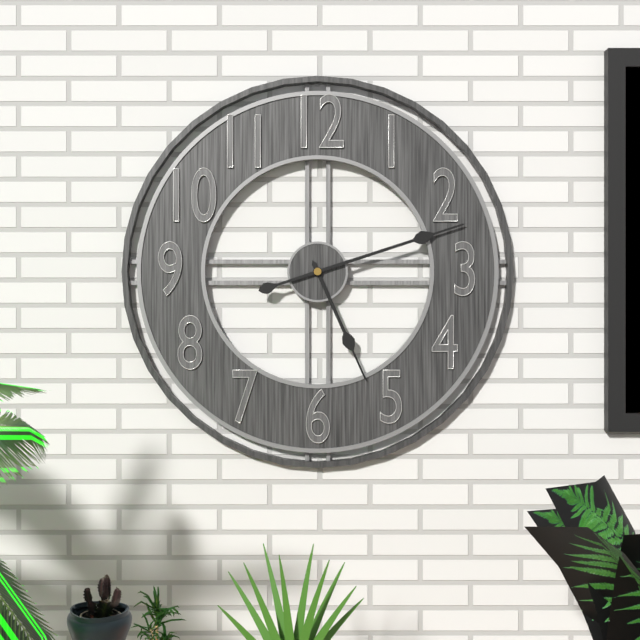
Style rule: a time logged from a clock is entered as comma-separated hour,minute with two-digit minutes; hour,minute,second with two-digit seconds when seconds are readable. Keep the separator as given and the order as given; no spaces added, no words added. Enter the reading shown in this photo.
5,12
